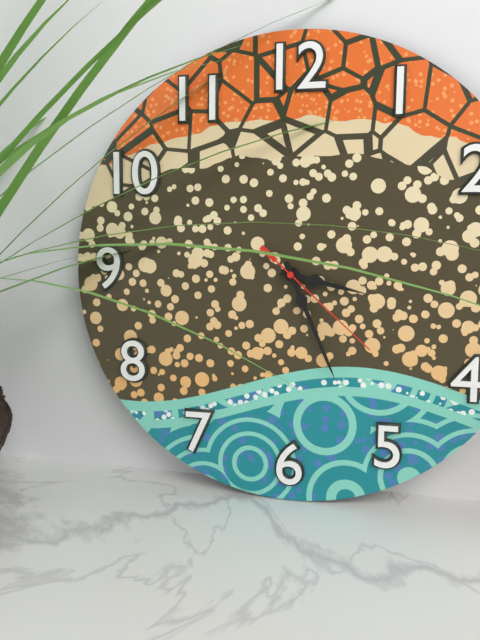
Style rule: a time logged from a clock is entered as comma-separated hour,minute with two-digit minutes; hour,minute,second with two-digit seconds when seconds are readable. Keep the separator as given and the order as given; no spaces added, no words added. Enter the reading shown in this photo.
3,26,22
